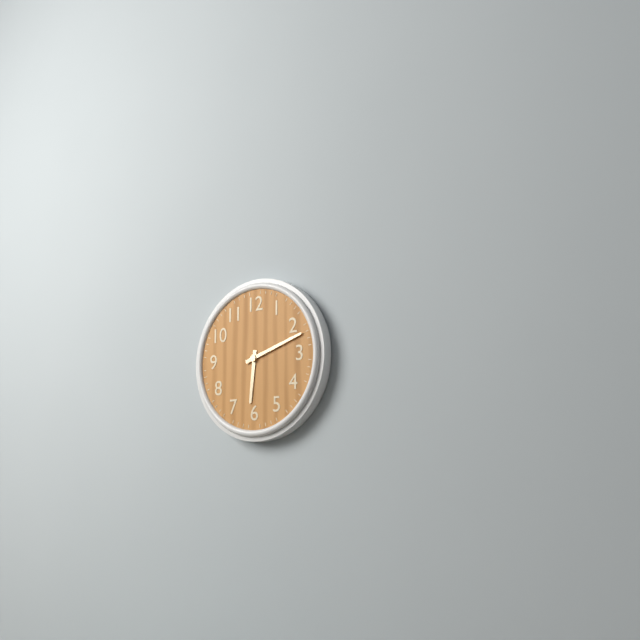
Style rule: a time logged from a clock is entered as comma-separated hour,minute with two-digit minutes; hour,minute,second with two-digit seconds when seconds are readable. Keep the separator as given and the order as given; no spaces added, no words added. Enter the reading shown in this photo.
6,12
